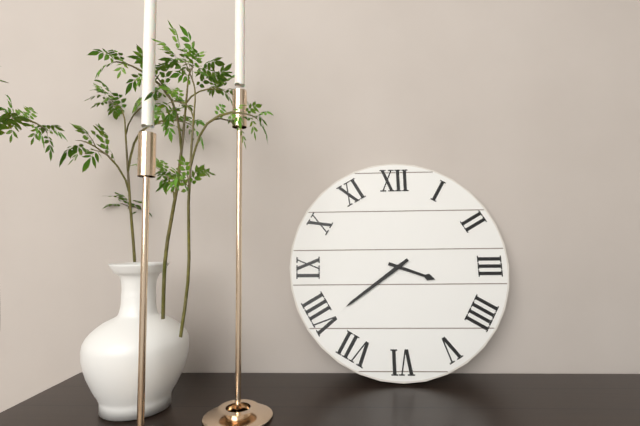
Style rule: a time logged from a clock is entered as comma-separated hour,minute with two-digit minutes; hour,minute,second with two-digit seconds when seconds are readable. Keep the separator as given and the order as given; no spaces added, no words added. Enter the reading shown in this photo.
3,39
